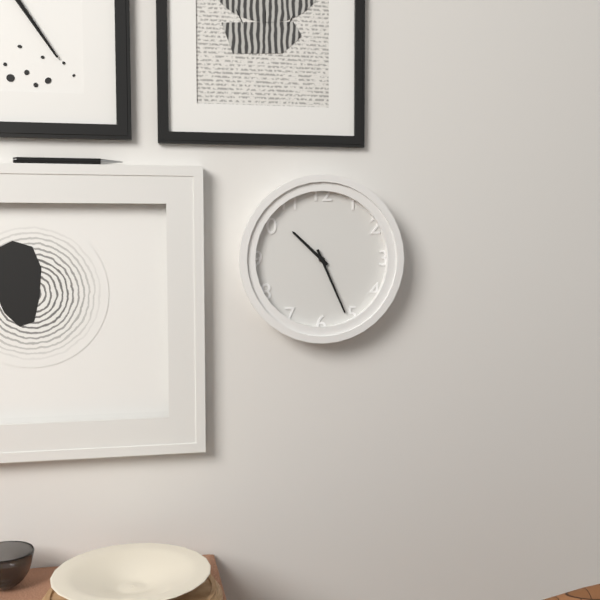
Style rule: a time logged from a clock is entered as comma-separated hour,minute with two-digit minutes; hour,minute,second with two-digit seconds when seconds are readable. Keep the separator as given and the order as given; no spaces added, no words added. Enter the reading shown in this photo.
10,26
